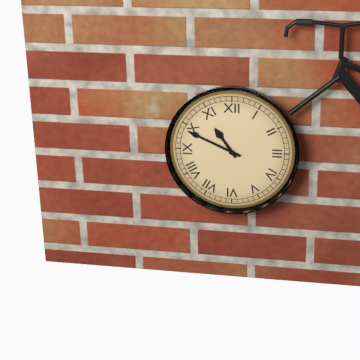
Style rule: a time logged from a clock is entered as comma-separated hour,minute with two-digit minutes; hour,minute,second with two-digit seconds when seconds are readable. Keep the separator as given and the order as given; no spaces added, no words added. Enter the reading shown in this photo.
10,49
